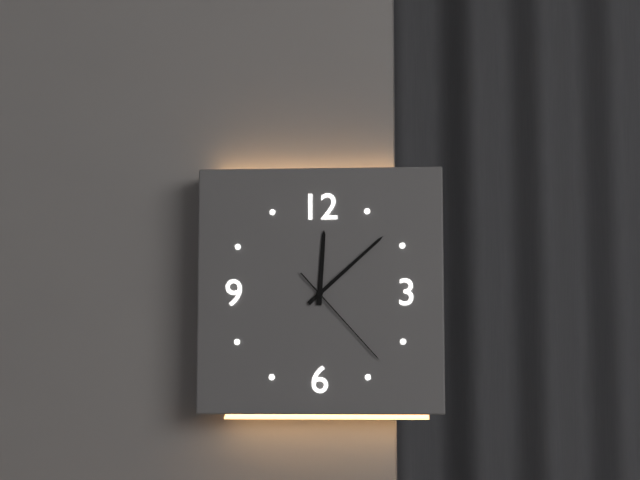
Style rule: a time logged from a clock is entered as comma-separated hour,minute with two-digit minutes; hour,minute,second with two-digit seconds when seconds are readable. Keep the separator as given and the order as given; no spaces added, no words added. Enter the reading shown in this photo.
12,08,23
